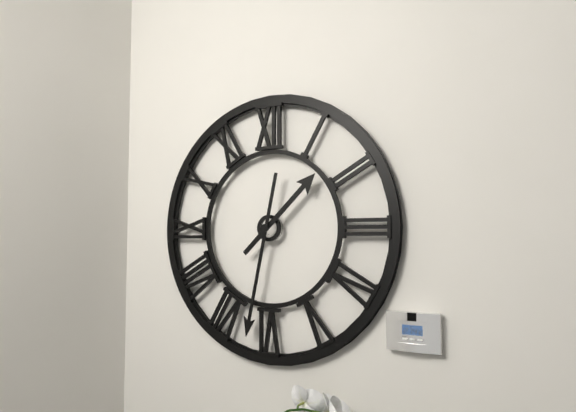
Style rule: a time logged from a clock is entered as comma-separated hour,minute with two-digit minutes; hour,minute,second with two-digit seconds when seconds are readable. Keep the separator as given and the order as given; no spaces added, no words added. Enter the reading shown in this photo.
1,32
